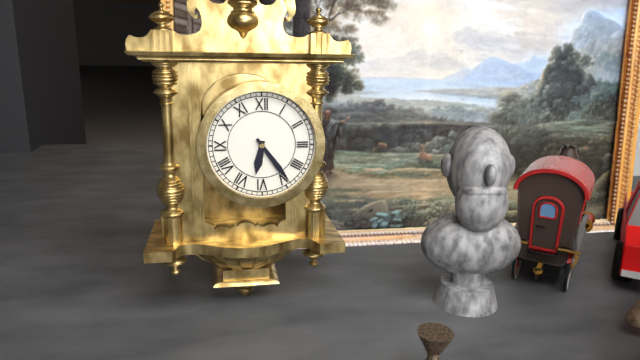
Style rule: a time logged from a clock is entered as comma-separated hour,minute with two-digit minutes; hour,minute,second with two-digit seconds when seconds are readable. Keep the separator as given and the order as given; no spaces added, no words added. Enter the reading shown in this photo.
6,24
